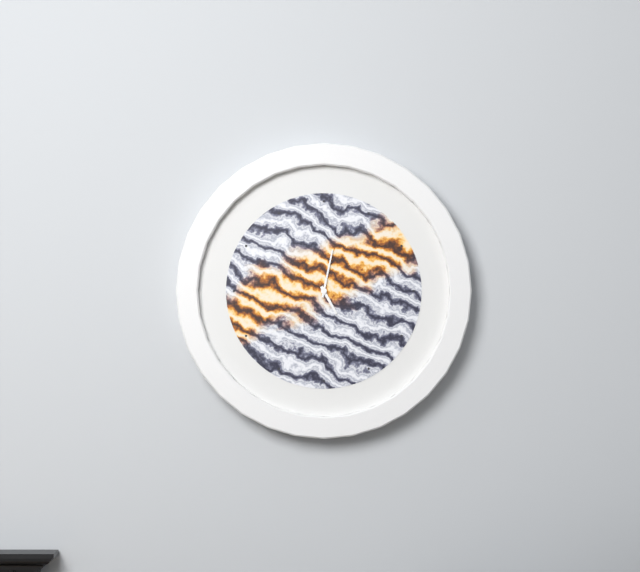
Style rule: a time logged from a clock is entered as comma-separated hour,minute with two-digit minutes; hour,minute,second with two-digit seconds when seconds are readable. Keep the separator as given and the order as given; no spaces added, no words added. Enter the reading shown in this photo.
5,02
